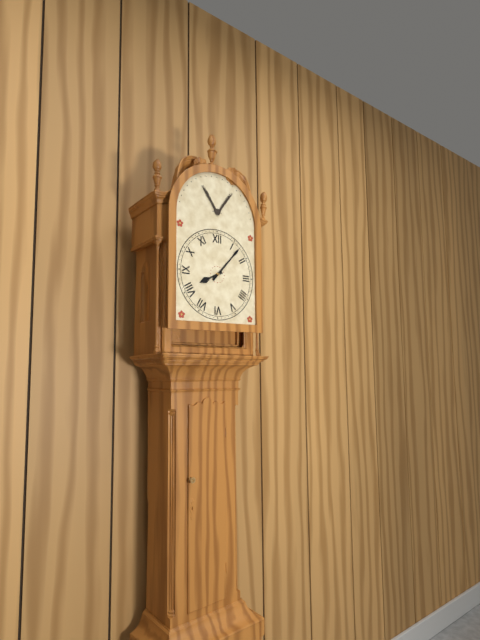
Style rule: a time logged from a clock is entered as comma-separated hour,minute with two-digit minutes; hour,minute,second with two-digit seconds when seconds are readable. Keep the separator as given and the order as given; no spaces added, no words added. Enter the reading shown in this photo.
8,07
